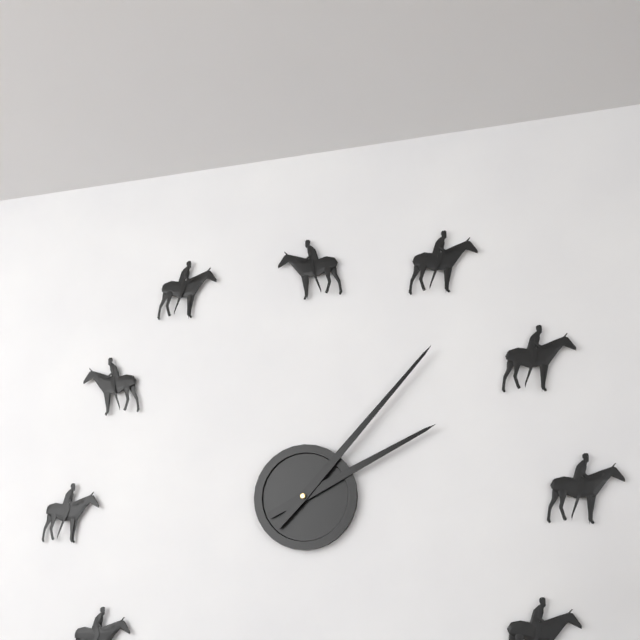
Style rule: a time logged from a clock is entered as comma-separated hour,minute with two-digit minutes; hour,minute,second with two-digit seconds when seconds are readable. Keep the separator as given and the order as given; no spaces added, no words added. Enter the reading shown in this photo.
2,07
